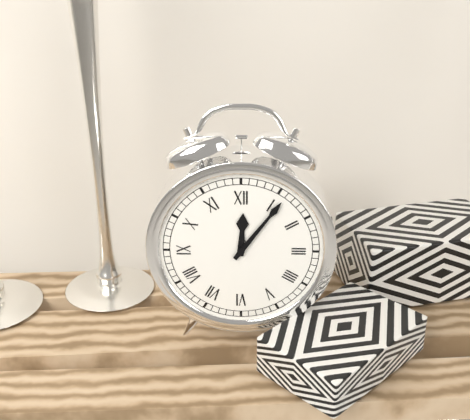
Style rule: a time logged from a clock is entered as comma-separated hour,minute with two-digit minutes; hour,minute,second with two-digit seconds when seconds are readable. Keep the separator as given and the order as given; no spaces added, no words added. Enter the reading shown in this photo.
12,06
